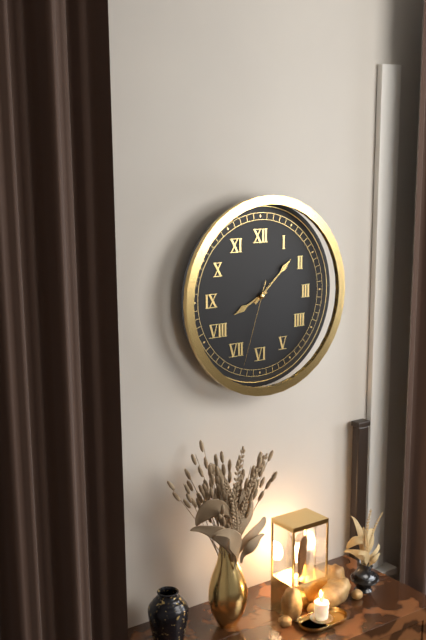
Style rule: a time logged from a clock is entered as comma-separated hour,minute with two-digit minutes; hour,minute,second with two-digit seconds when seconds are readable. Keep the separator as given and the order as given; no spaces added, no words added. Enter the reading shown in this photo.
8,08,33
